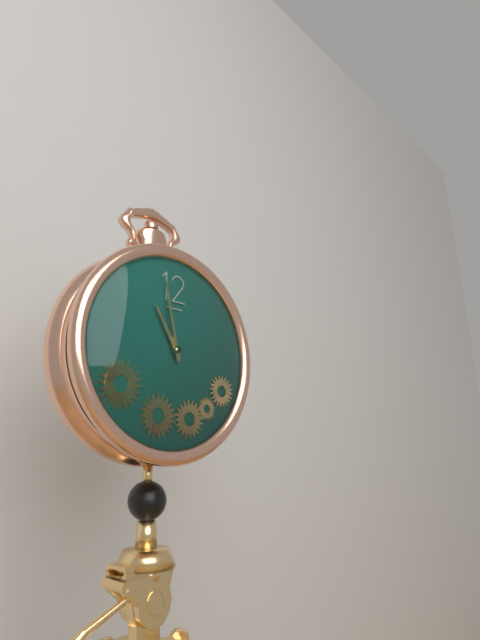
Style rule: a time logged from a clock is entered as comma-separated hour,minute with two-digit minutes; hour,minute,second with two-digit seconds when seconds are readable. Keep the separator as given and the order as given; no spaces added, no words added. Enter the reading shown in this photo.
10,58
